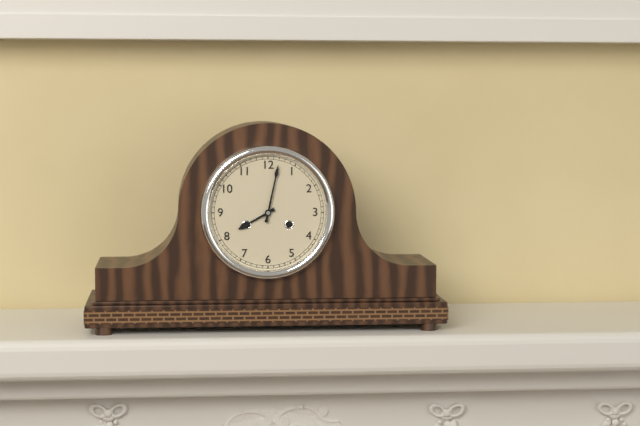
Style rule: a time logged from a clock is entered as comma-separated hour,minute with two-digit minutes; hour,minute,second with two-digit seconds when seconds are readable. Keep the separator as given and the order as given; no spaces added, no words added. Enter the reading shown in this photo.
8,02
